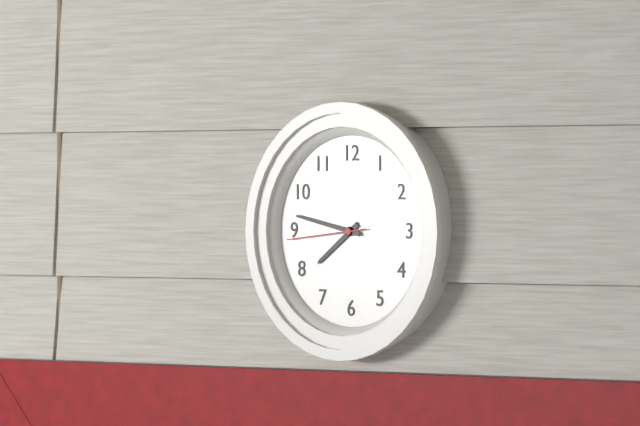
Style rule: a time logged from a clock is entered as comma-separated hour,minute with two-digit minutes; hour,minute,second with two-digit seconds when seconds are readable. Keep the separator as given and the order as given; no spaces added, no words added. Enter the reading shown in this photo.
7,47,44
